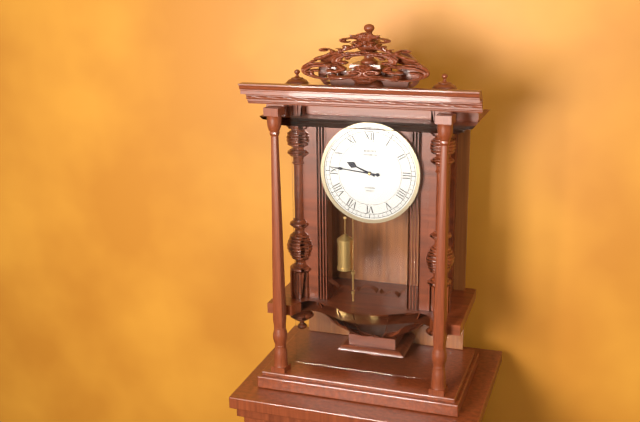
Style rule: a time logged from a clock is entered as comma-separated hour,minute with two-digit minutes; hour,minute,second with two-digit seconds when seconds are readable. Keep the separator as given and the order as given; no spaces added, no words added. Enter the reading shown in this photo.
9,46
